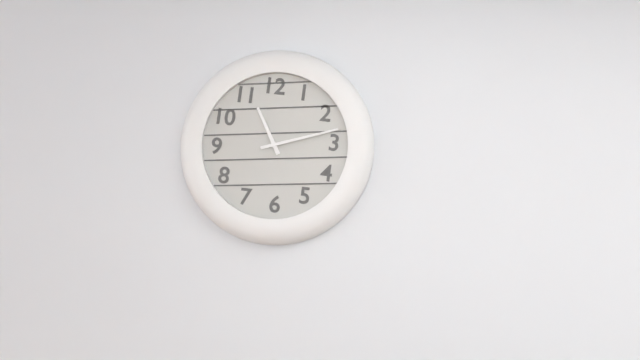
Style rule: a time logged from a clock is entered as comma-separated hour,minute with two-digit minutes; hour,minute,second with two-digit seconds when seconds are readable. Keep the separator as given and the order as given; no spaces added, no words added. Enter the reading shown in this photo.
11,13
